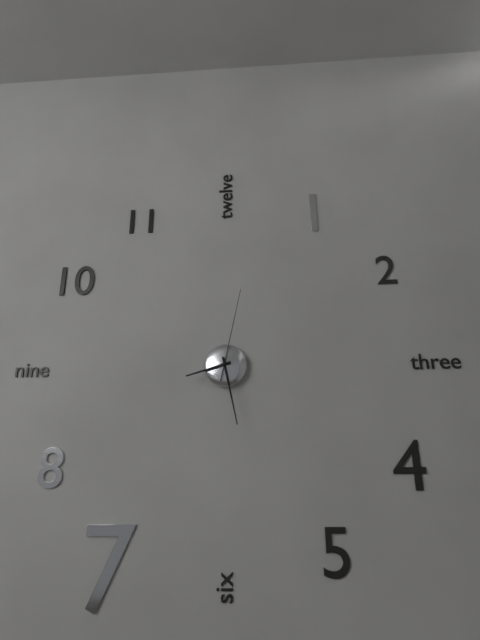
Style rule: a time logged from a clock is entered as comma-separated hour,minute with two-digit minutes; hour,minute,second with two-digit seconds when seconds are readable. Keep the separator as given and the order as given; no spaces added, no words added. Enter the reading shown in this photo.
8,28,02
